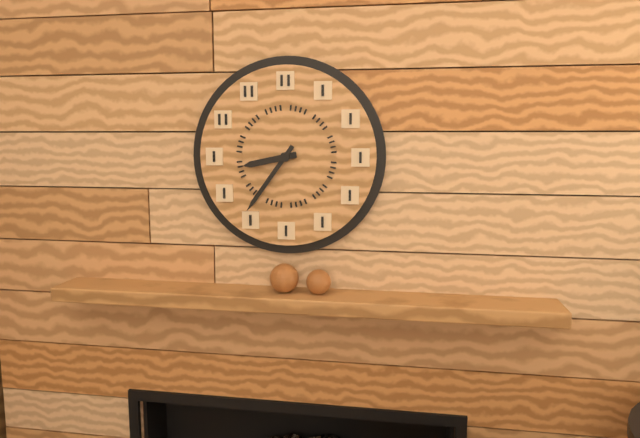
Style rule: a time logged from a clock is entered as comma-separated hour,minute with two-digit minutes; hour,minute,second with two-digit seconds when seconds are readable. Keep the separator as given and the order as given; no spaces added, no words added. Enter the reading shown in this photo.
8,36
